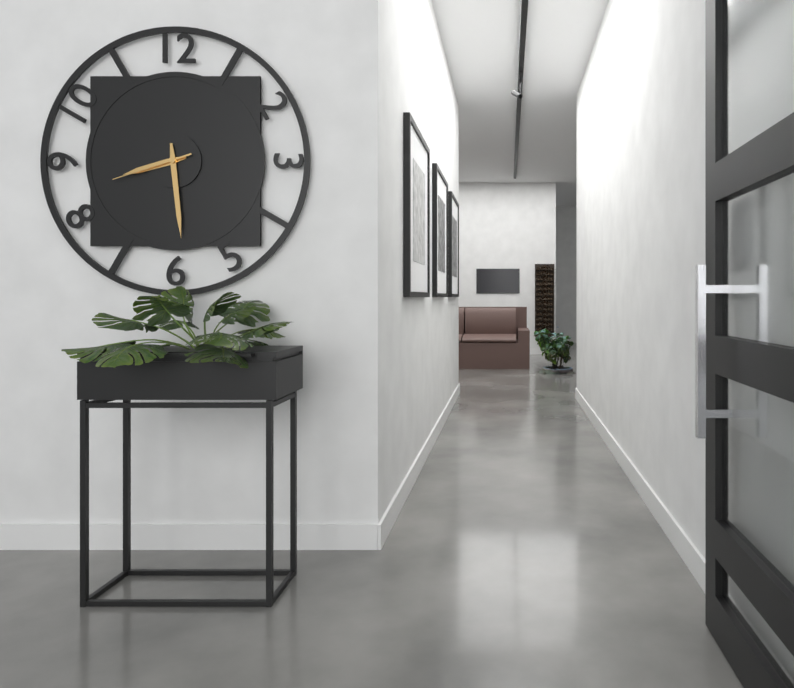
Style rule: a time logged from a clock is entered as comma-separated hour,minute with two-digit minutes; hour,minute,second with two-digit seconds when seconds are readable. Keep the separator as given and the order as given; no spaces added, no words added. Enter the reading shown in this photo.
8,29,42
